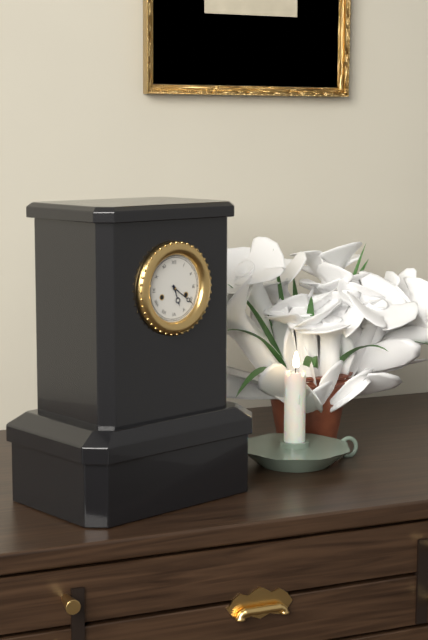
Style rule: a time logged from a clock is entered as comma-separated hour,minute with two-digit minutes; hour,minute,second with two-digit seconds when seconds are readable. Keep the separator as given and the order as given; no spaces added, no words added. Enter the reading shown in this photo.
5,21
